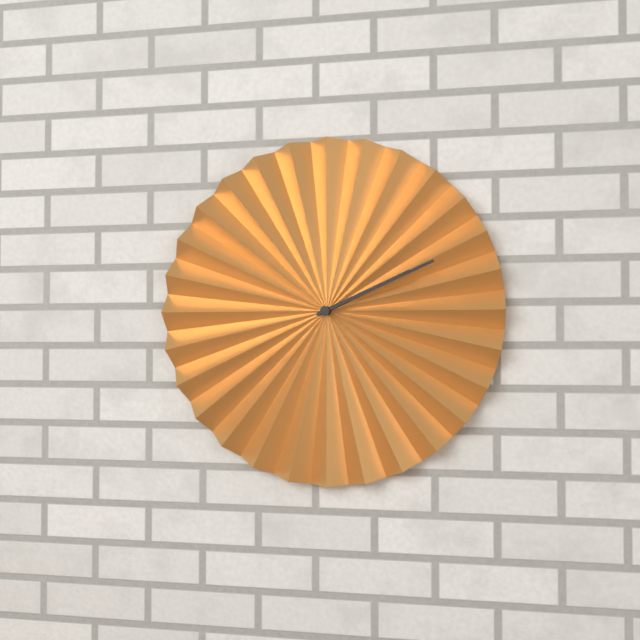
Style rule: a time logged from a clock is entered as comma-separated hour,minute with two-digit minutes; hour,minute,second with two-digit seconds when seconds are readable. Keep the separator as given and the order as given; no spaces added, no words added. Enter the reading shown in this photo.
2,11
